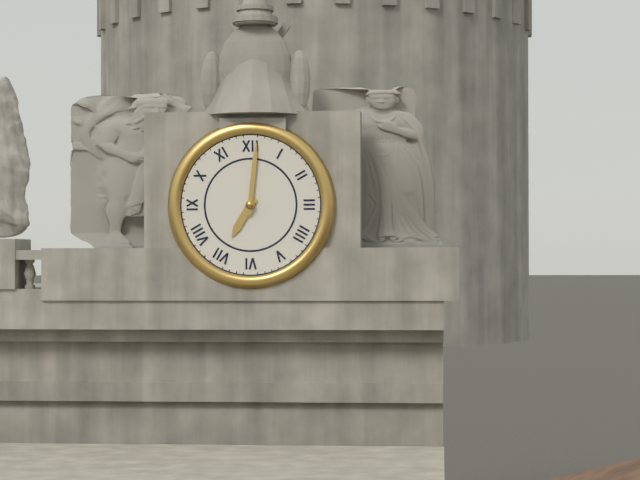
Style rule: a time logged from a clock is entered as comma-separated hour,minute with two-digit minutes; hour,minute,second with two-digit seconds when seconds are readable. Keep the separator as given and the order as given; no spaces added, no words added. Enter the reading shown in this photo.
7,01
